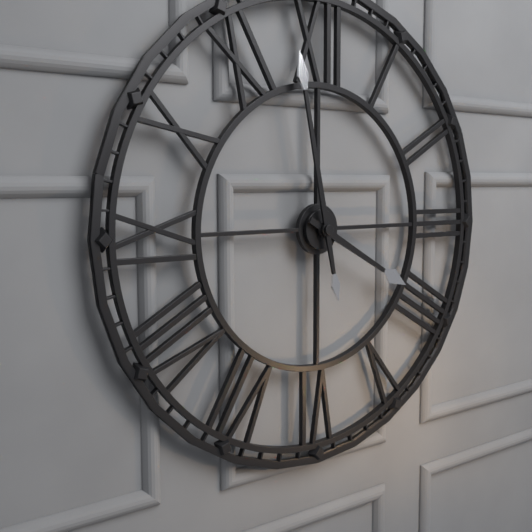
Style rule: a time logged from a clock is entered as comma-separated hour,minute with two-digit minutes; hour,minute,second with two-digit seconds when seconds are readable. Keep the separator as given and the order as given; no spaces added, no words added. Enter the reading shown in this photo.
3,58
